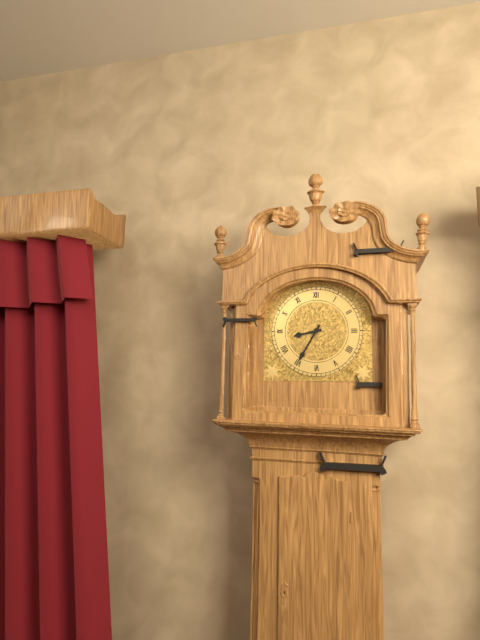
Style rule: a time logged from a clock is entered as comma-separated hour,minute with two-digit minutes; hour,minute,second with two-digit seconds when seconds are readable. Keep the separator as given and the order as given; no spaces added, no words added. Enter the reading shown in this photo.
8,35
